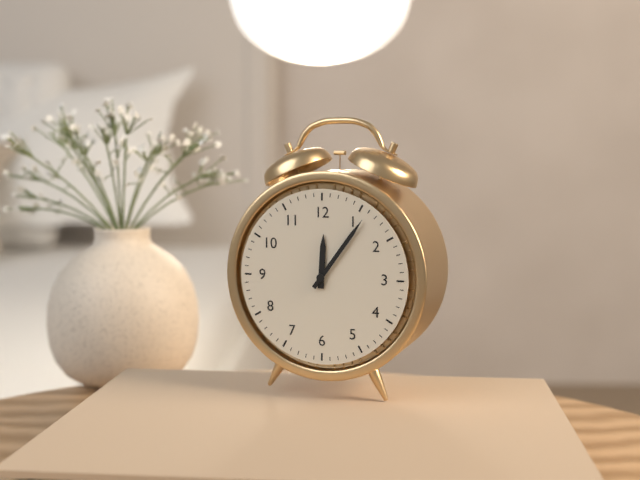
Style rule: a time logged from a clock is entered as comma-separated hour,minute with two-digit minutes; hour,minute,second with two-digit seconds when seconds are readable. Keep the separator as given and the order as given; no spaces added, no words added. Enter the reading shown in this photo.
12,06
